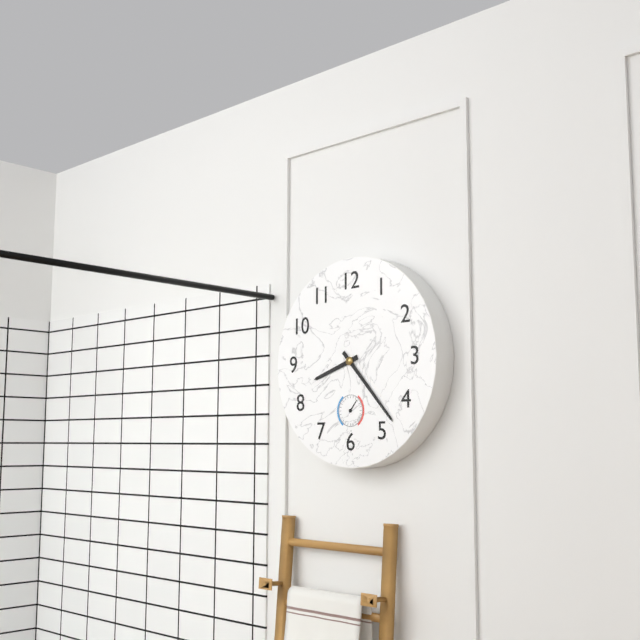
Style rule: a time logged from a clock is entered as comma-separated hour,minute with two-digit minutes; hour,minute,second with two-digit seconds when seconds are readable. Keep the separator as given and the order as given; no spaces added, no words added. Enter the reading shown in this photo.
8,23
